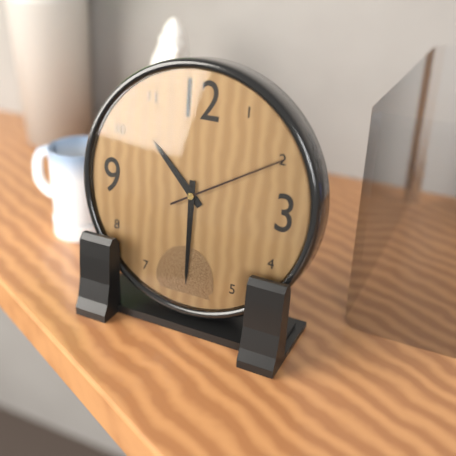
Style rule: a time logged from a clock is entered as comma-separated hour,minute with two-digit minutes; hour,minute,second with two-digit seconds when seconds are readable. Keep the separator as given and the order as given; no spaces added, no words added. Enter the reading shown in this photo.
10,30,10
